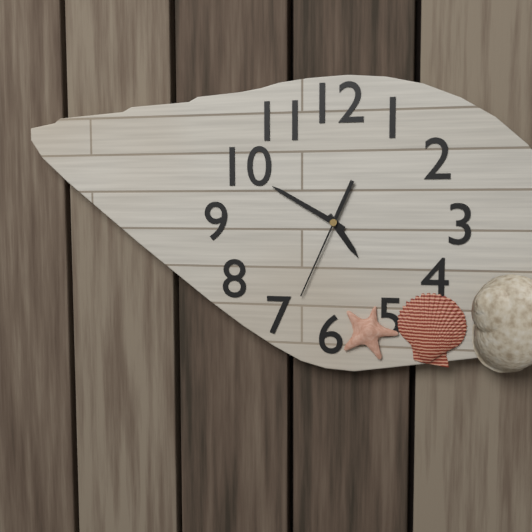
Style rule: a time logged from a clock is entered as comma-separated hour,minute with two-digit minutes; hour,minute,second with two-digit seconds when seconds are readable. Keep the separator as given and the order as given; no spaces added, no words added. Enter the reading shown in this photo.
4,50,34
